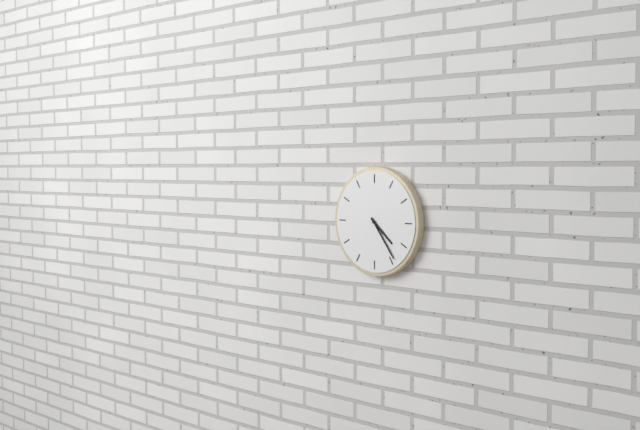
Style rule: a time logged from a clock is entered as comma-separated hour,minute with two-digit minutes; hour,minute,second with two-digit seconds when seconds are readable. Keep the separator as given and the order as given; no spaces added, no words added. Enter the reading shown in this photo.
4,24
